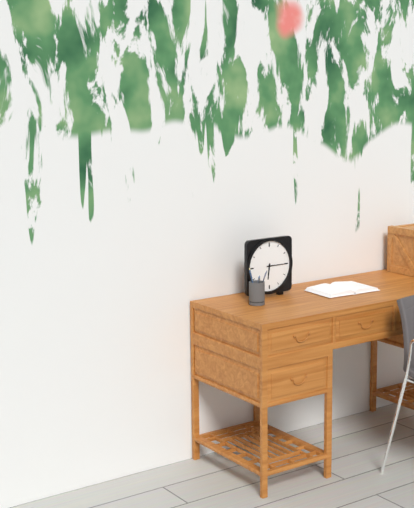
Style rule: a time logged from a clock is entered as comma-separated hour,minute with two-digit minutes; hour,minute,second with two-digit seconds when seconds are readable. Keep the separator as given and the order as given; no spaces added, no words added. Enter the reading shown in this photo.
6,15
